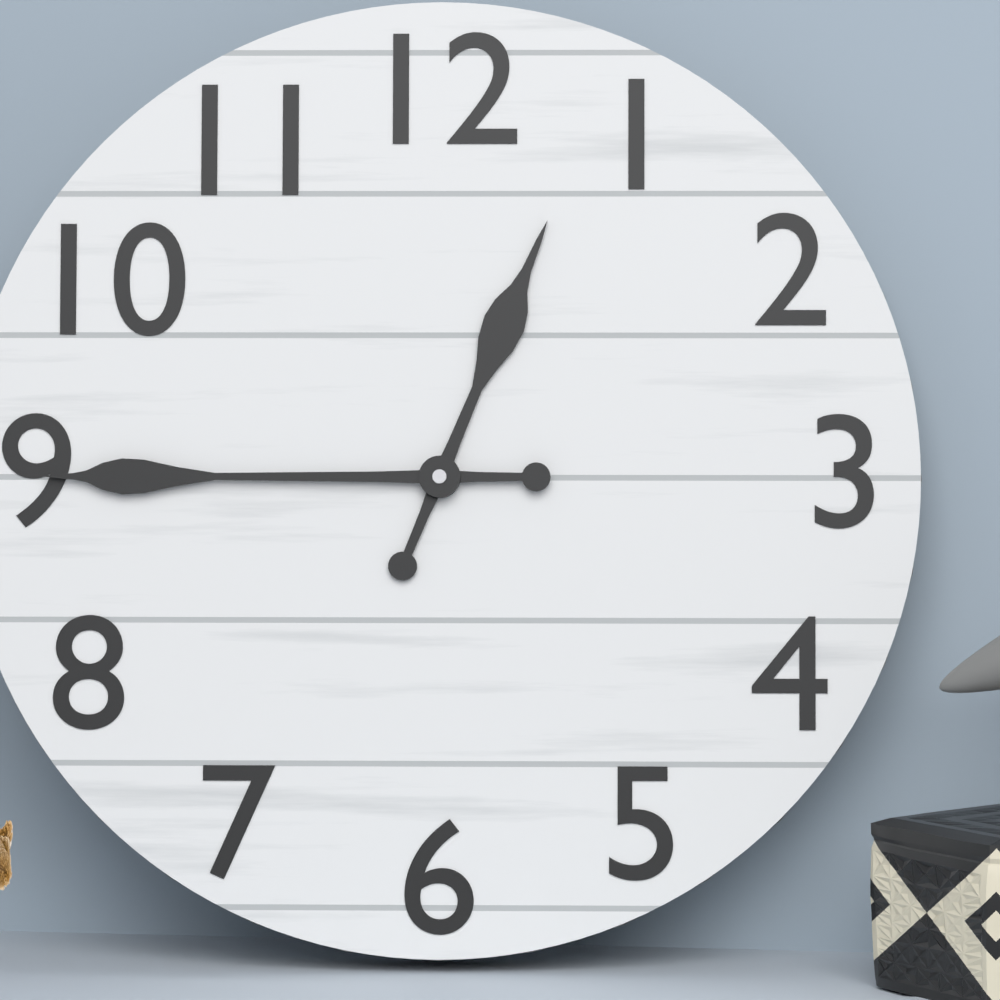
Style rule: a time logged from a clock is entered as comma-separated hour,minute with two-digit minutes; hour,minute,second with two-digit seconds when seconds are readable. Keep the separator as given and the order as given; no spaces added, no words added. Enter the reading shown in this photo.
12,45
